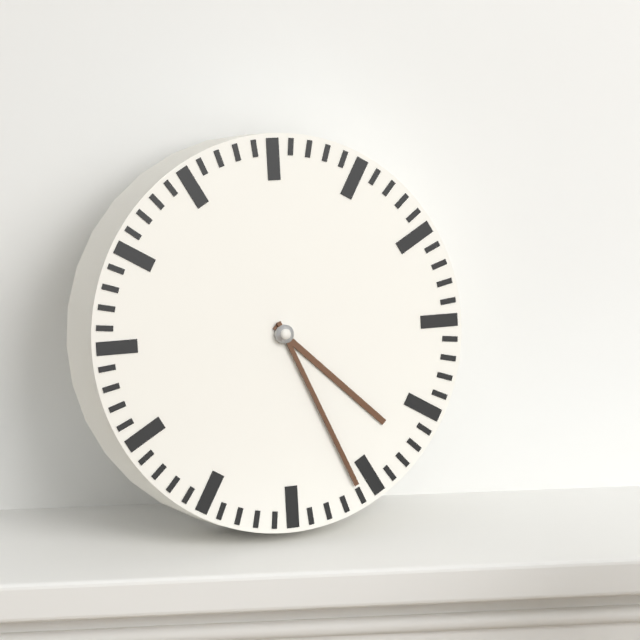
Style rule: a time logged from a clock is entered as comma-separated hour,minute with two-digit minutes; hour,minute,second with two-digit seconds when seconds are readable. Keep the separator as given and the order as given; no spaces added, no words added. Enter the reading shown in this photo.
4,26
